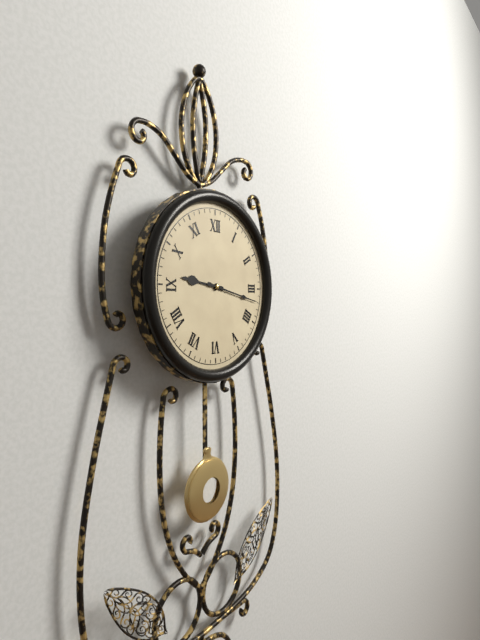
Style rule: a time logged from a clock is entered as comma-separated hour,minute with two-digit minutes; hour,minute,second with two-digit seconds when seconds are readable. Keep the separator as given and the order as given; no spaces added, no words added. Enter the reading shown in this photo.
9,17
